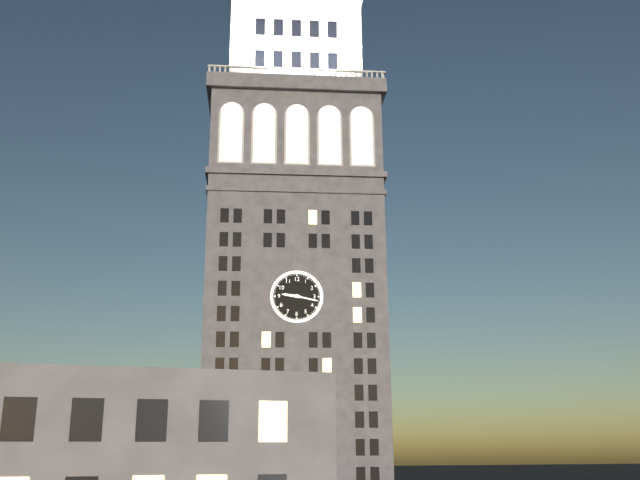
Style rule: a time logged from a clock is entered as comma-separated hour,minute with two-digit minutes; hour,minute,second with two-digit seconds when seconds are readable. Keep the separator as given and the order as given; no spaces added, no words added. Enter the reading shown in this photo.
9,17
